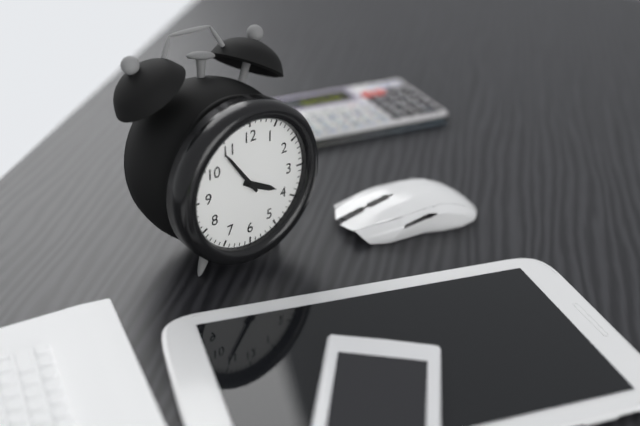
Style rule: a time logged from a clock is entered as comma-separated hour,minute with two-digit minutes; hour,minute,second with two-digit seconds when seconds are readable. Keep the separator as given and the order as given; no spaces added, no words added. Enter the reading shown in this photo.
3,54
